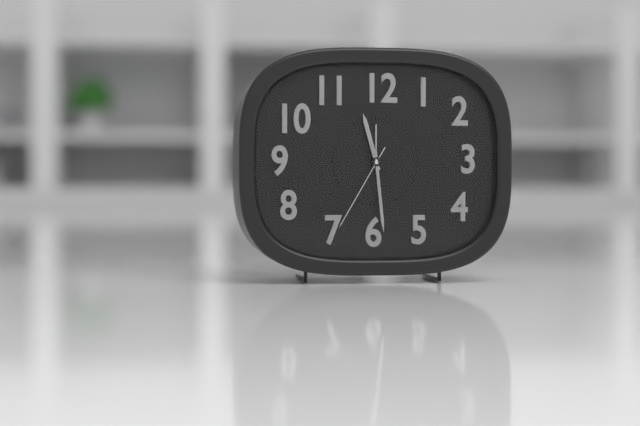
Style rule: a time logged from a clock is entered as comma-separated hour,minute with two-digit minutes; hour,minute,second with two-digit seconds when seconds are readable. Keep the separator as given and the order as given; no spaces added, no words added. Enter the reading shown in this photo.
11,29,35
